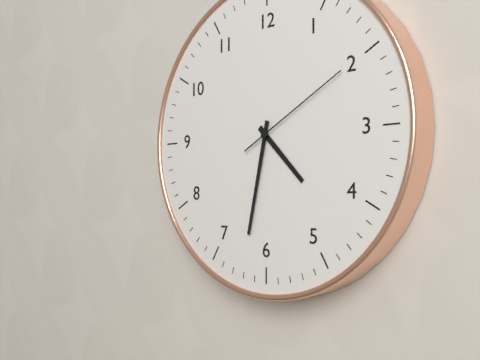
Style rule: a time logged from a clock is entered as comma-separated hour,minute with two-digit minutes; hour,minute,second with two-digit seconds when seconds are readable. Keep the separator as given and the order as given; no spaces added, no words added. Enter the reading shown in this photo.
4,32,10
